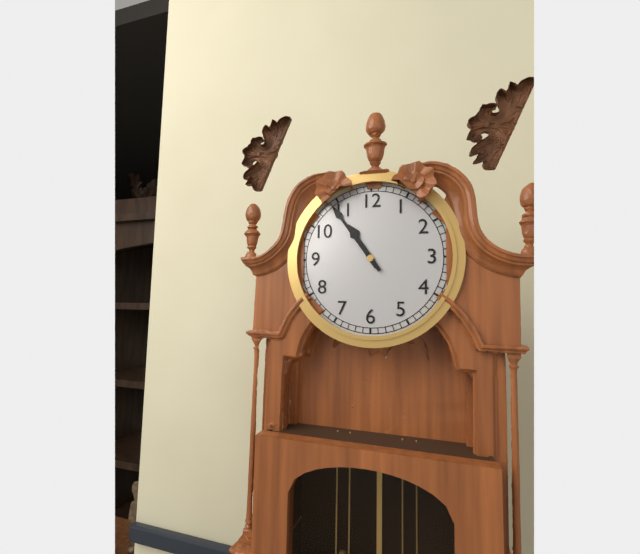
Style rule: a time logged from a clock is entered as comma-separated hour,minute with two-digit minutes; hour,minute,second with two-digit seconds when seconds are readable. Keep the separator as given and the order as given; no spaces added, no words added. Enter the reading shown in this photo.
10,54
